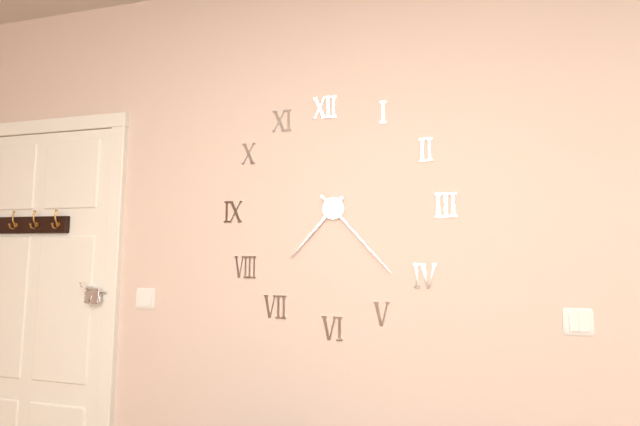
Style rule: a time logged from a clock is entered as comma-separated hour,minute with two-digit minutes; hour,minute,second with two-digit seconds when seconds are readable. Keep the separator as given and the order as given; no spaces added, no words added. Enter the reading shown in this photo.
7,23
